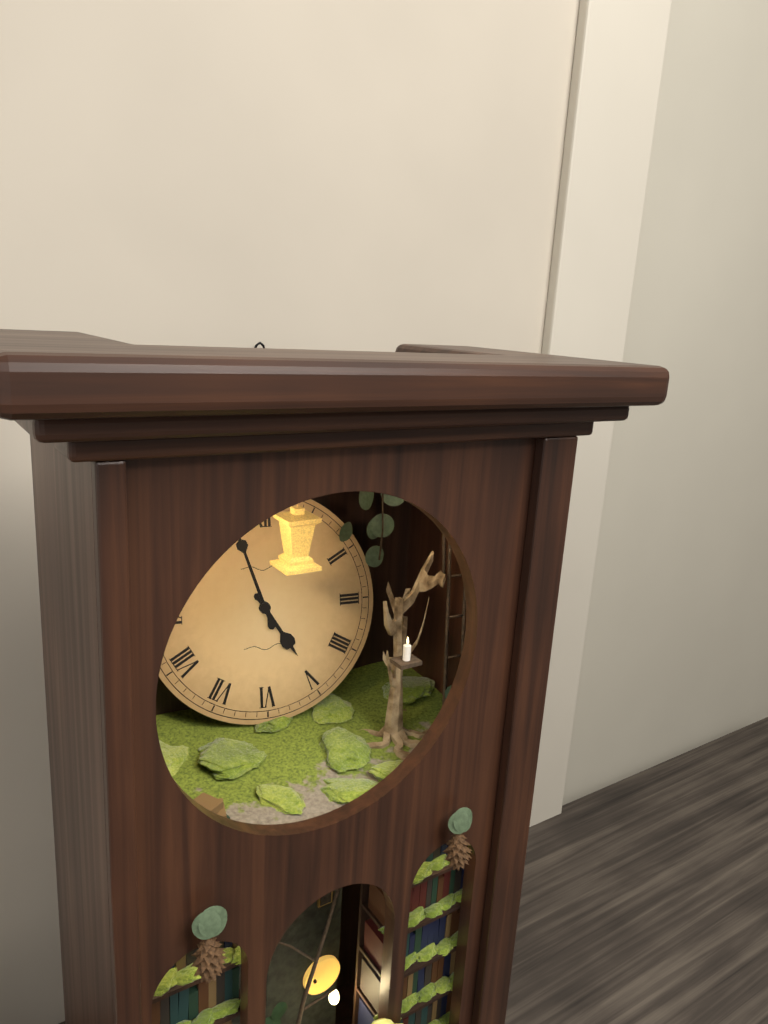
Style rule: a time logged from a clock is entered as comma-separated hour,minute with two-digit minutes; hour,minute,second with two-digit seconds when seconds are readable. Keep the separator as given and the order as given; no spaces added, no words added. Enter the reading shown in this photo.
4,57
